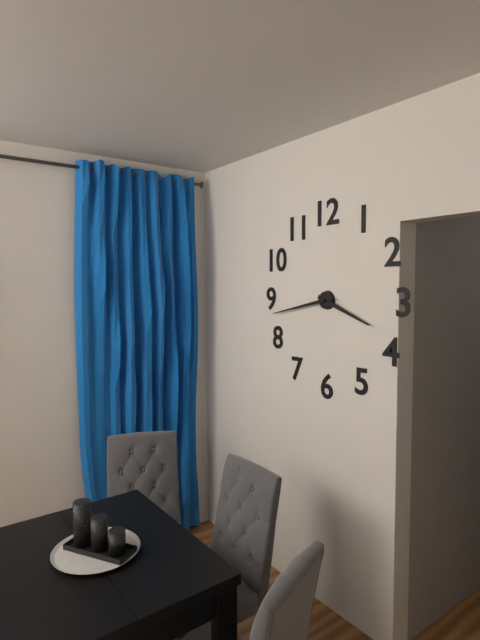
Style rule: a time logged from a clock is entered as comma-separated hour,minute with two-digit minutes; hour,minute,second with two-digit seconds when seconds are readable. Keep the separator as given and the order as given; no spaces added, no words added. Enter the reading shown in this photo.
3,43
